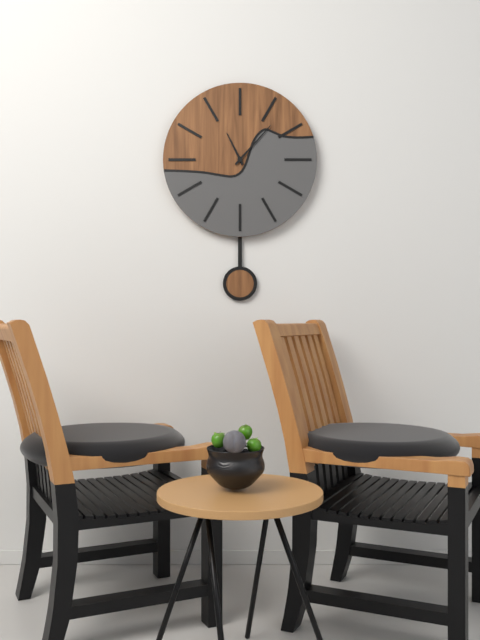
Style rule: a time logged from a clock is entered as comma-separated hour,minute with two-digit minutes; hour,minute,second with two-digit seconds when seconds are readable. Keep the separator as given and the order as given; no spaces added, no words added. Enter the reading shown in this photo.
11,07
